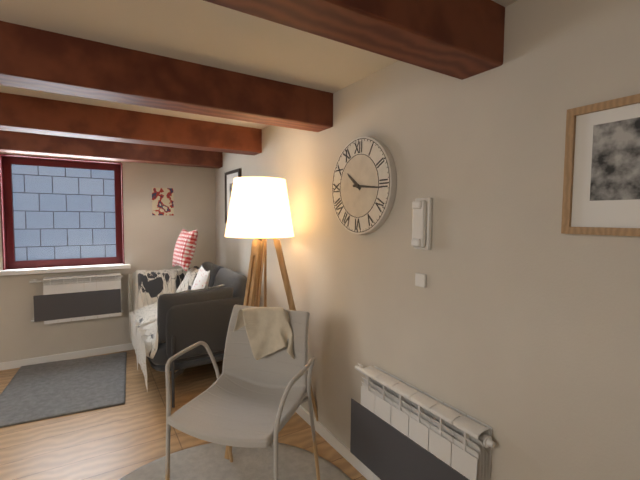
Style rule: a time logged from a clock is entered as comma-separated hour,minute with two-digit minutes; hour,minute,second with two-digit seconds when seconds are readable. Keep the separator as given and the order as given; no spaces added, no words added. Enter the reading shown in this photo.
10,16
